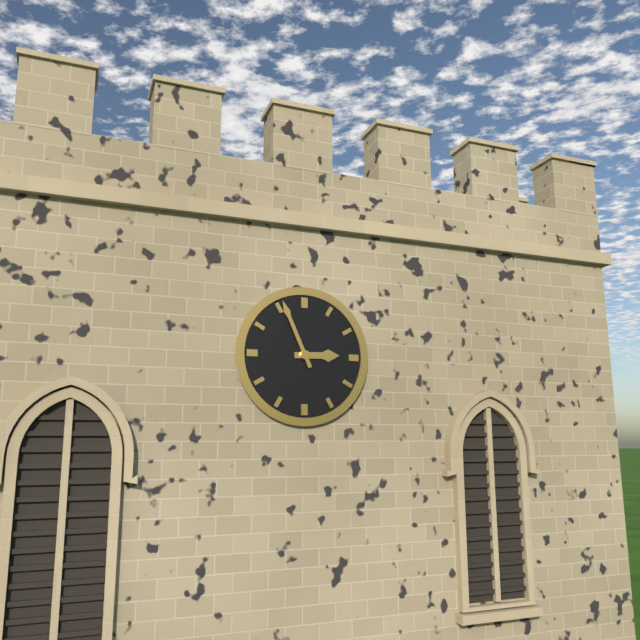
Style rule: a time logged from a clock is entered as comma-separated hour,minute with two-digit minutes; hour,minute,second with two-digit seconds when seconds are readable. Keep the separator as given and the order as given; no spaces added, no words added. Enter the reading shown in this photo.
2,56
